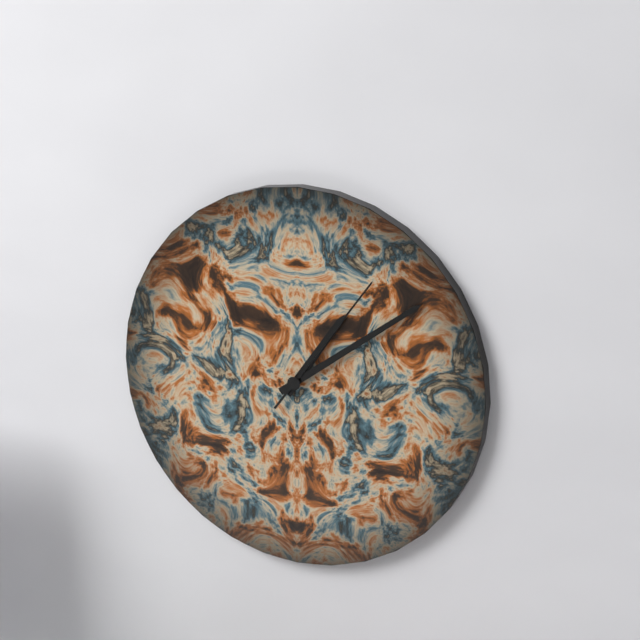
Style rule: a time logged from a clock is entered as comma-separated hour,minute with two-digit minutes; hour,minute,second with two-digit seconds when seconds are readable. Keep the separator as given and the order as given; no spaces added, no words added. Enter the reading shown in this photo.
1,09,06
